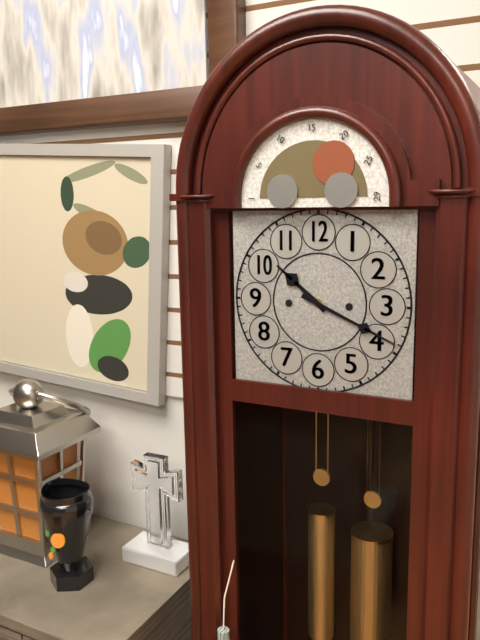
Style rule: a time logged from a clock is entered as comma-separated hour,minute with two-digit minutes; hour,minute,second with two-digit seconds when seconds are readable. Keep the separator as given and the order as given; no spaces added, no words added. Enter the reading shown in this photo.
10,19
